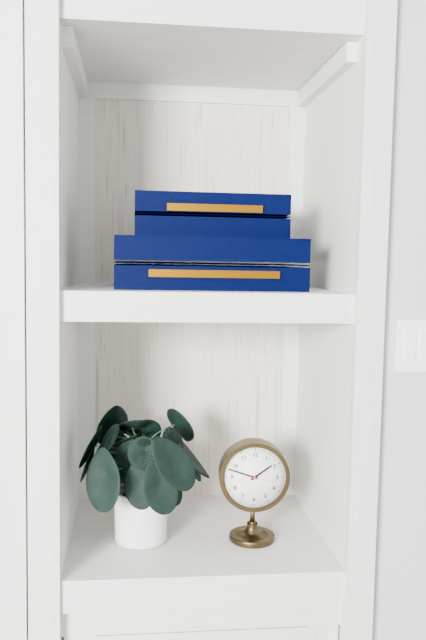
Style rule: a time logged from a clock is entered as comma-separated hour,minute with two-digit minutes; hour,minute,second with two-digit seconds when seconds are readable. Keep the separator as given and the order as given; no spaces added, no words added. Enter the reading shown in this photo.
1,48
